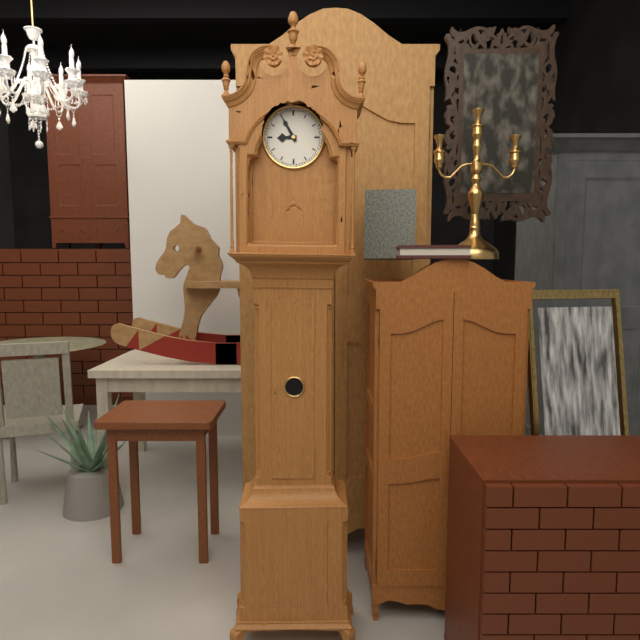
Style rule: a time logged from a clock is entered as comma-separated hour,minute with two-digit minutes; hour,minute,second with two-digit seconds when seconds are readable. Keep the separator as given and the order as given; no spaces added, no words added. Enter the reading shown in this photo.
8,55
